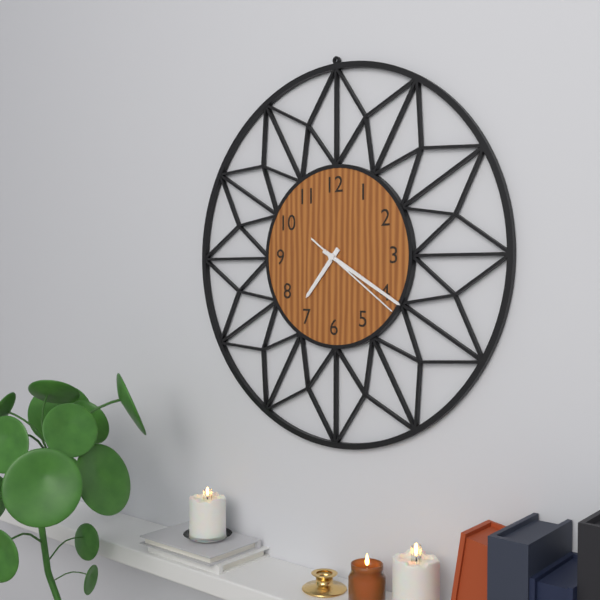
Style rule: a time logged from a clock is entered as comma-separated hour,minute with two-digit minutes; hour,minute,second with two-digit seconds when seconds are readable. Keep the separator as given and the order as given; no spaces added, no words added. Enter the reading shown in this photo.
7,20,21
